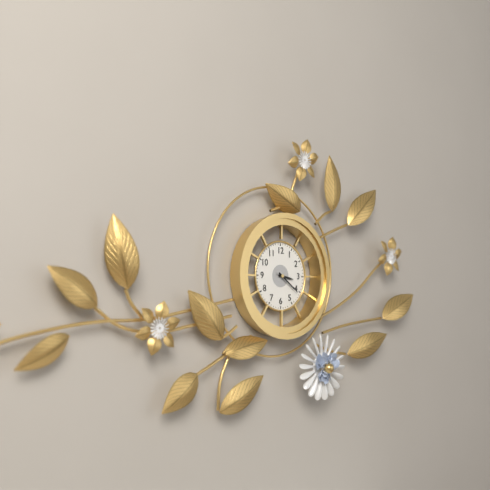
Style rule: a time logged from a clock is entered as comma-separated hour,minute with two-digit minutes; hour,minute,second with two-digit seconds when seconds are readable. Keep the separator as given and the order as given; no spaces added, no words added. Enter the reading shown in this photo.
3,21
